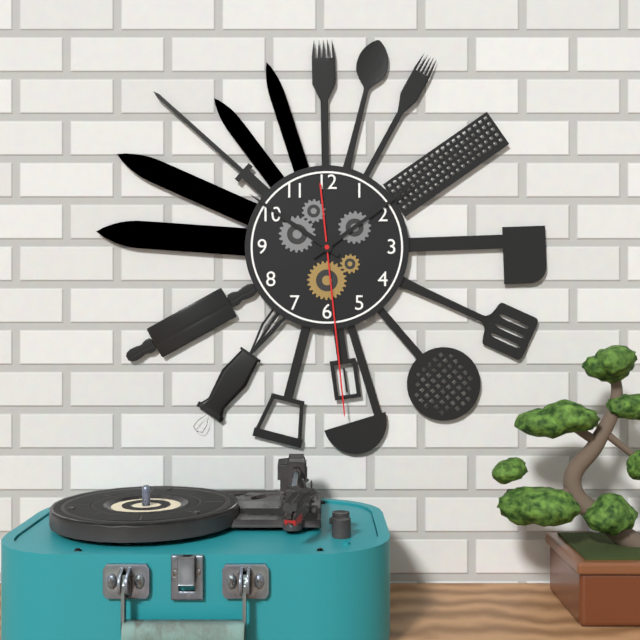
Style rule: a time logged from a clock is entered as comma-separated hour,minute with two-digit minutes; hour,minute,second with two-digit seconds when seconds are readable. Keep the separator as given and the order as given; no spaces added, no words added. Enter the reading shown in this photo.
10,09,29
